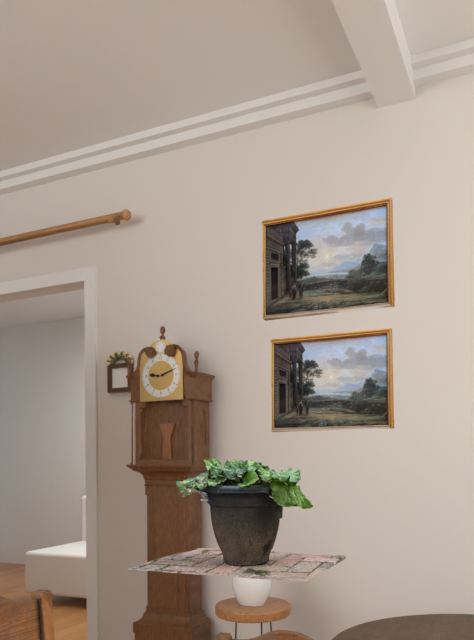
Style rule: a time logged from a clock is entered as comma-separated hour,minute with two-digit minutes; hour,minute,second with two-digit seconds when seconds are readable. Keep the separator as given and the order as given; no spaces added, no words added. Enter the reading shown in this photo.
9,12
